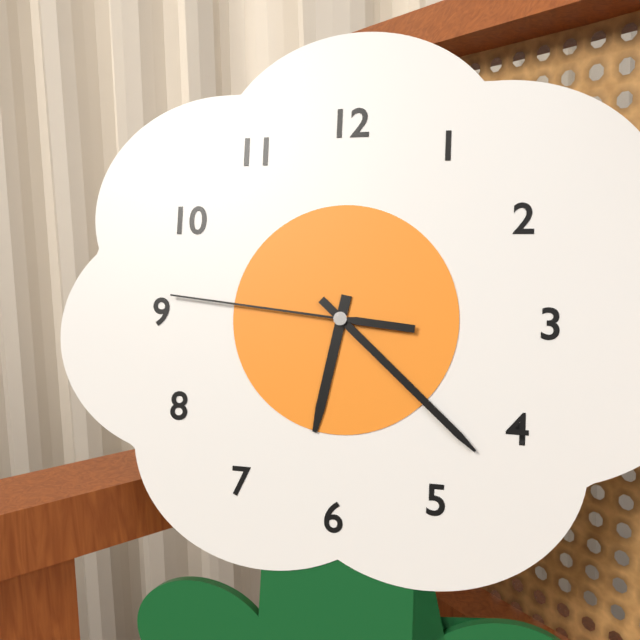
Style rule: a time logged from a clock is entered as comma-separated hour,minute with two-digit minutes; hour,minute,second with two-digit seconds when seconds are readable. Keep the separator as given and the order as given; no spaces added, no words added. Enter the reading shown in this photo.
6,22,46
